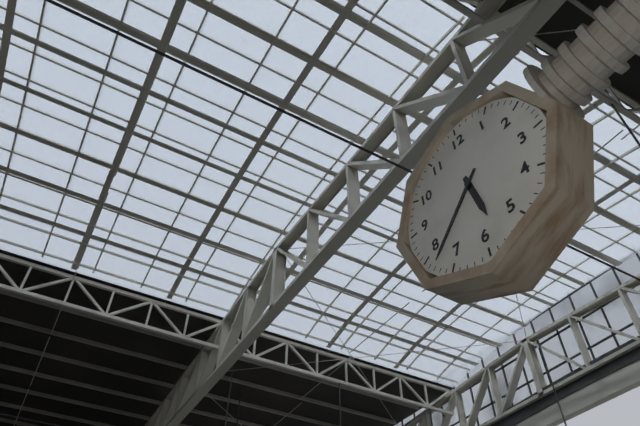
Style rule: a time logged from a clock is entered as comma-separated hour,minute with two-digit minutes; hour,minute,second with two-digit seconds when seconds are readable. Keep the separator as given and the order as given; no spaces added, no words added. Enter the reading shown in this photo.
5,38
